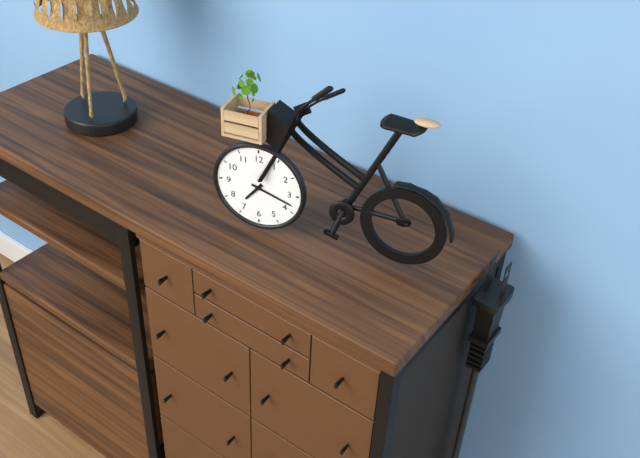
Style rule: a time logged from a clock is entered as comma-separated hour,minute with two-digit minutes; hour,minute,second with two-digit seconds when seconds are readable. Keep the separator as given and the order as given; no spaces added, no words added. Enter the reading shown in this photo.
7,18
